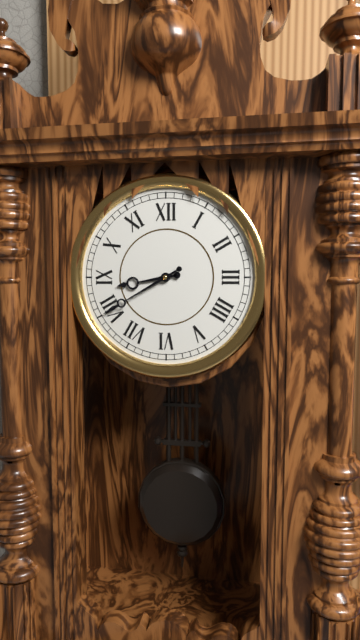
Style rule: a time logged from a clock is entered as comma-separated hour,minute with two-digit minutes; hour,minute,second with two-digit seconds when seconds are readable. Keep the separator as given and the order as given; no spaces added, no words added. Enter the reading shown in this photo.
8,40
